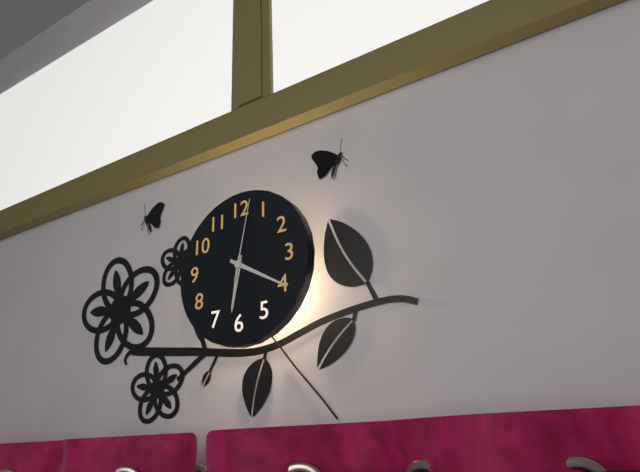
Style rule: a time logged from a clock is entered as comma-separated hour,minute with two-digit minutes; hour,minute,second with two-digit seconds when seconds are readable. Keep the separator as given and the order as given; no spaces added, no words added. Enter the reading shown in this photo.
6,20,02
